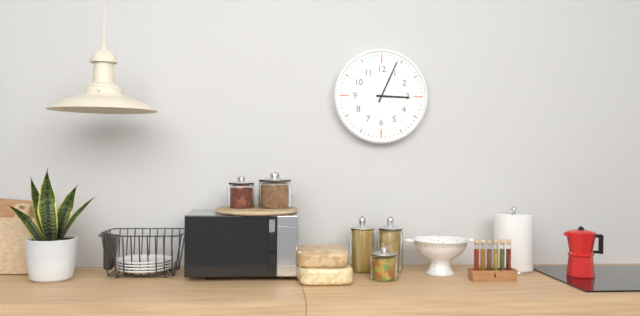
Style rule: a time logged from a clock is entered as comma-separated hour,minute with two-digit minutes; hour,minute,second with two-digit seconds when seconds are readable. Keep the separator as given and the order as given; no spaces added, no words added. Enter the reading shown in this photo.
3,04
